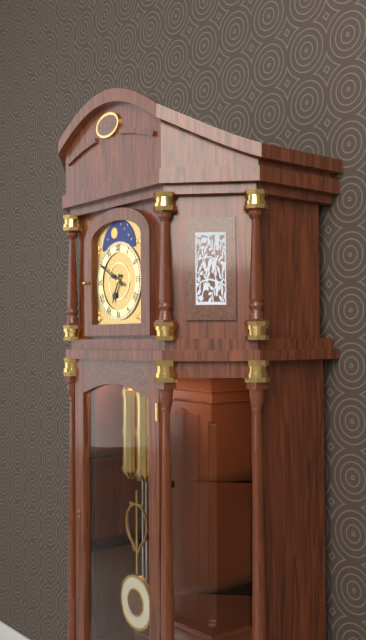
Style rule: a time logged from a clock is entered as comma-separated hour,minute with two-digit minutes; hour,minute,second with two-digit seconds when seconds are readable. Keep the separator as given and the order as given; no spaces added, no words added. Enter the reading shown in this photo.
6,50
